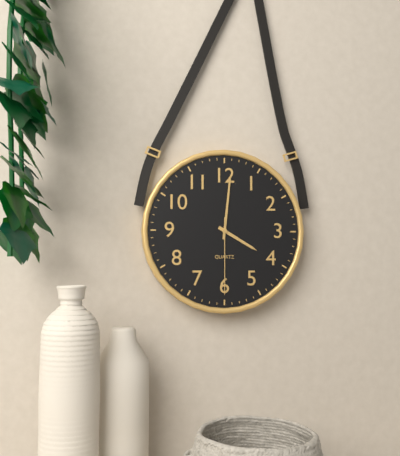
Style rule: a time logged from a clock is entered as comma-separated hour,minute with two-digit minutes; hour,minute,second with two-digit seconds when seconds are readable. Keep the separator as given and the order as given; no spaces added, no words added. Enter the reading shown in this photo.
4,01,30
